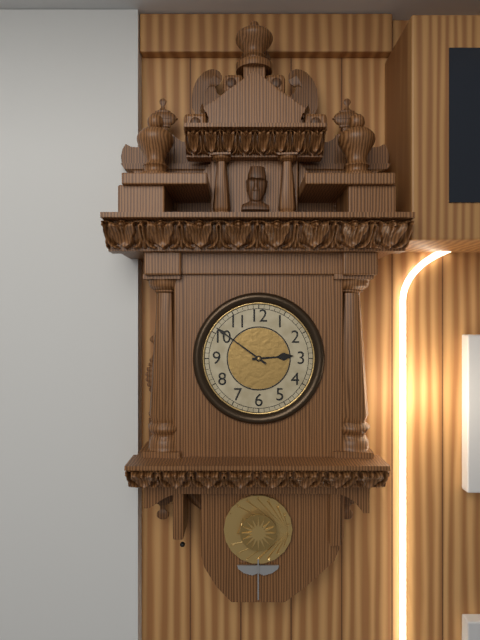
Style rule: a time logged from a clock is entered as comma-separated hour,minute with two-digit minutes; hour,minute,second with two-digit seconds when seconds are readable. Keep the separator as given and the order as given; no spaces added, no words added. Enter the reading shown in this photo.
2,51
